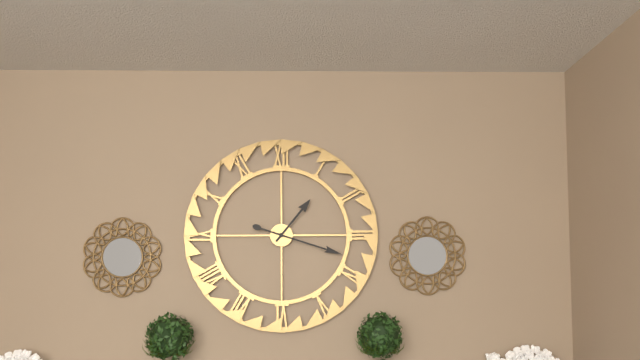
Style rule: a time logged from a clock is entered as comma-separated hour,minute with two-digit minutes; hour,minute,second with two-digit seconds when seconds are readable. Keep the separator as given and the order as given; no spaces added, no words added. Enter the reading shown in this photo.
1,18
